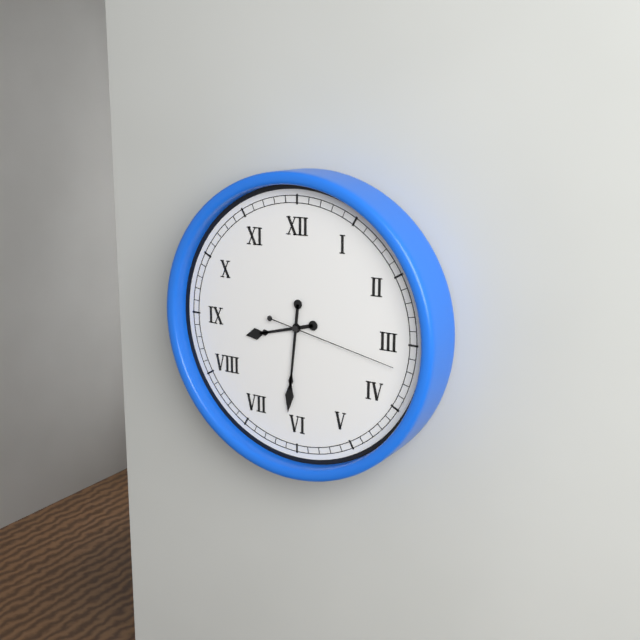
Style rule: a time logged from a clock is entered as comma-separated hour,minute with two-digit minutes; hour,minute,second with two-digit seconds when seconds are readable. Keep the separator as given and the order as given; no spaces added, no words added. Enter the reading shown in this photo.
8,31,17
